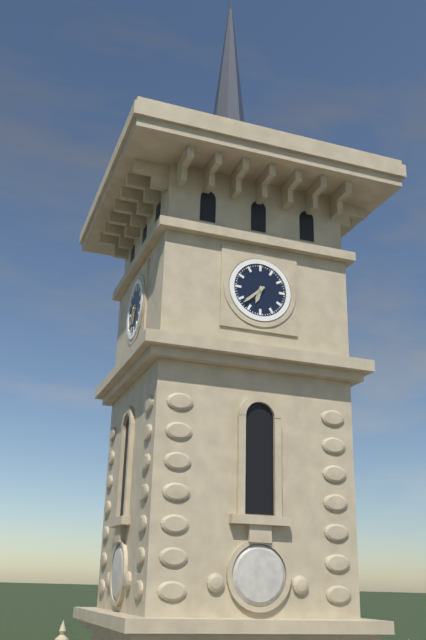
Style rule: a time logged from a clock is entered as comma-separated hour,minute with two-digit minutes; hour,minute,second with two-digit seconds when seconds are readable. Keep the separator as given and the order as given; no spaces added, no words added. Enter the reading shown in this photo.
6,38
